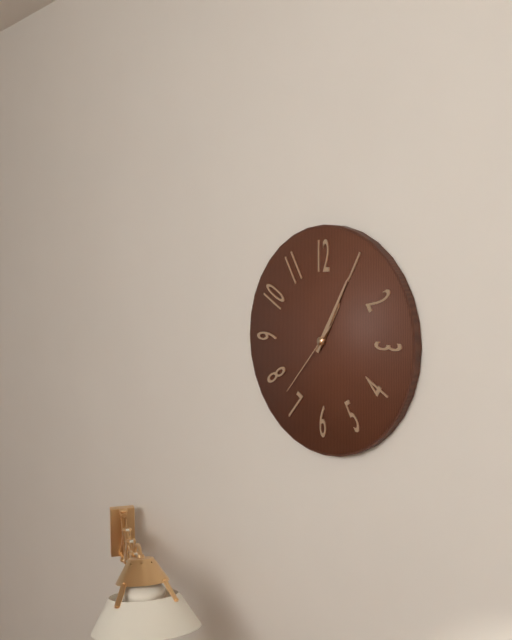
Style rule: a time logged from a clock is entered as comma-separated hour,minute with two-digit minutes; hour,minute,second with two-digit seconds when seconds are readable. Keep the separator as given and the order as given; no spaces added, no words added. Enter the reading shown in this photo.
1,05,37
